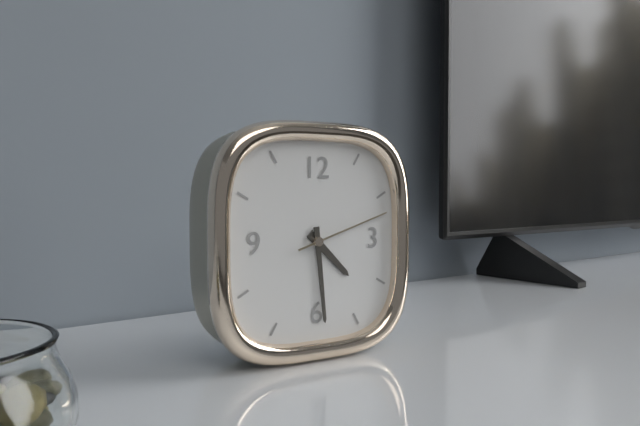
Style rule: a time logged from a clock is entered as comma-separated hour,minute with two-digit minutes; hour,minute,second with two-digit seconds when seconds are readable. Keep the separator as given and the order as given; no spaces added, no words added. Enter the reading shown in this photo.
4,29,12
